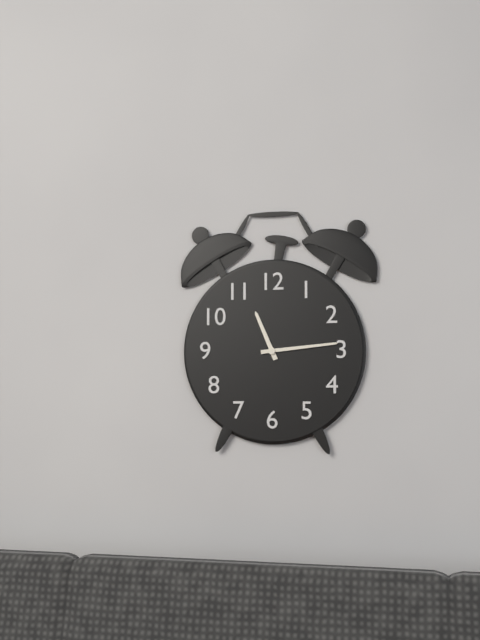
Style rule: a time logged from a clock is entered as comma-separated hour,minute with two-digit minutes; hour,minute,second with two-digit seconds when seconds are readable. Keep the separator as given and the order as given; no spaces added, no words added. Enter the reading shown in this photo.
11,14
